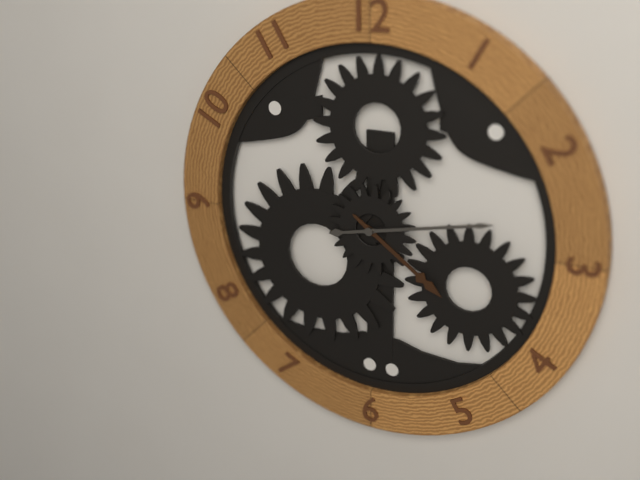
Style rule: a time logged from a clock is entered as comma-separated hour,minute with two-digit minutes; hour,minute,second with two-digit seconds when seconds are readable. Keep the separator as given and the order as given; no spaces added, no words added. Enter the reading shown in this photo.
4,13
